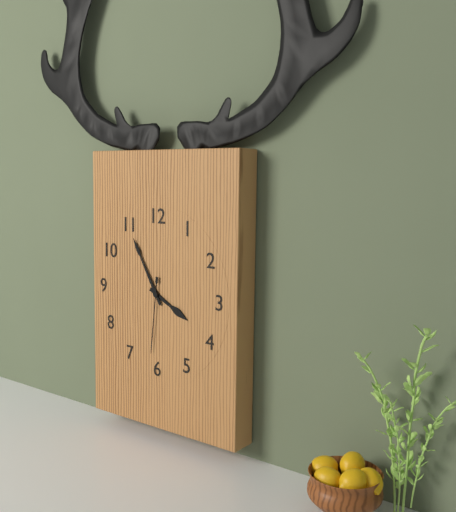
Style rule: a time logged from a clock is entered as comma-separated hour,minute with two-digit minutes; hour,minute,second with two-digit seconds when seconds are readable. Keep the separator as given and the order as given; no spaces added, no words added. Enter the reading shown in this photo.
3,55,31
